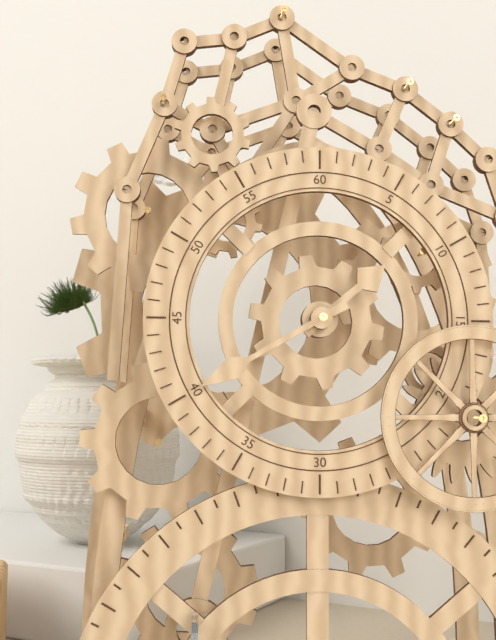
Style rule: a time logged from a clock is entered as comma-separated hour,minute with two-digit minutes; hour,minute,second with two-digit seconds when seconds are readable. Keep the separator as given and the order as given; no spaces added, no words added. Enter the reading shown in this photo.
1,40
